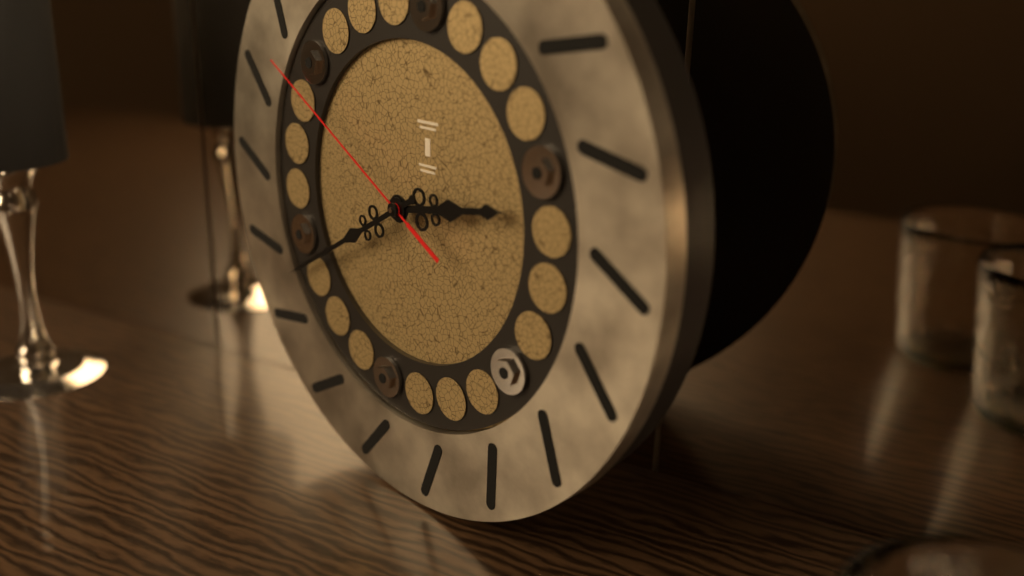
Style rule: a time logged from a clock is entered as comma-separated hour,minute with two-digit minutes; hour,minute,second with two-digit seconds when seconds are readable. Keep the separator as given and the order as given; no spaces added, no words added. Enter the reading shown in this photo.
2,40,50
